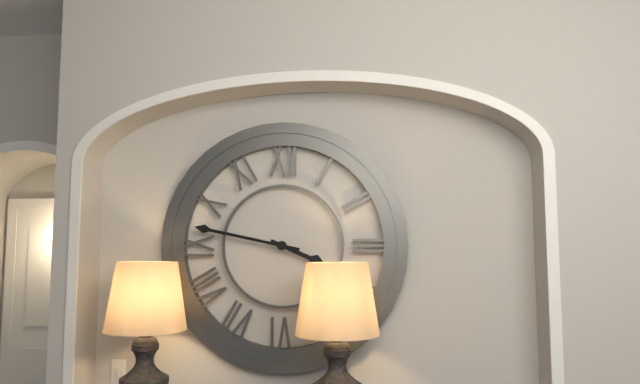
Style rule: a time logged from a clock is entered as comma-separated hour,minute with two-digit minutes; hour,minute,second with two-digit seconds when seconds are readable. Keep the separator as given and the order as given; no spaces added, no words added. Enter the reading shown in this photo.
3,47
